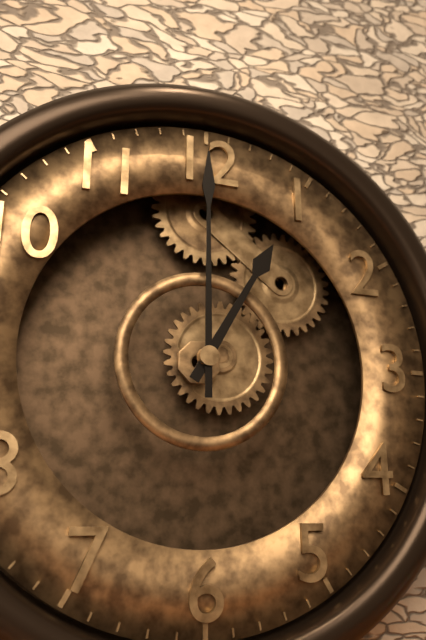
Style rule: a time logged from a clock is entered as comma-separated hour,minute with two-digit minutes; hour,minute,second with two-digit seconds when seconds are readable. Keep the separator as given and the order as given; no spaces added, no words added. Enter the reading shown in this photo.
1,00
